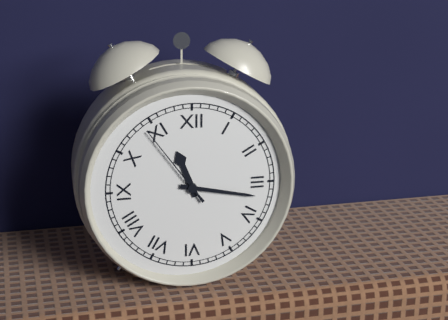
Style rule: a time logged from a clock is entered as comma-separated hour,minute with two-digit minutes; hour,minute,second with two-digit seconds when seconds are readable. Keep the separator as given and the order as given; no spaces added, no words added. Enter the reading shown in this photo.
11,17,54
